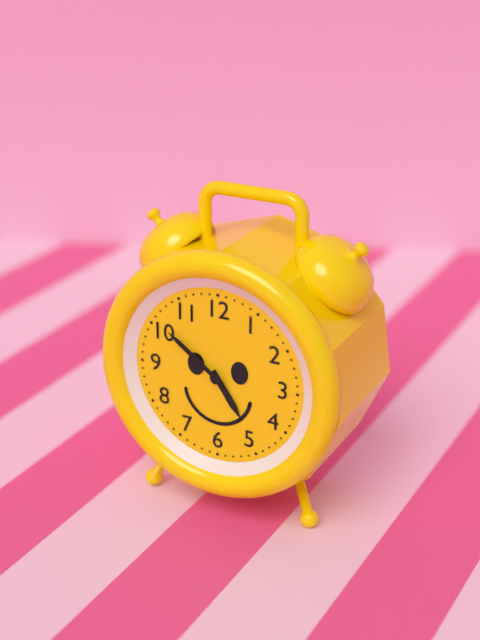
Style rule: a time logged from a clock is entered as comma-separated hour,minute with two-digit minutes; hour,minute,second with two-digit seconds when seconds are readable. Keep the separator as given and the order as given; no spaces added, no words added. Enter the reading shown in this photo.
4,51
